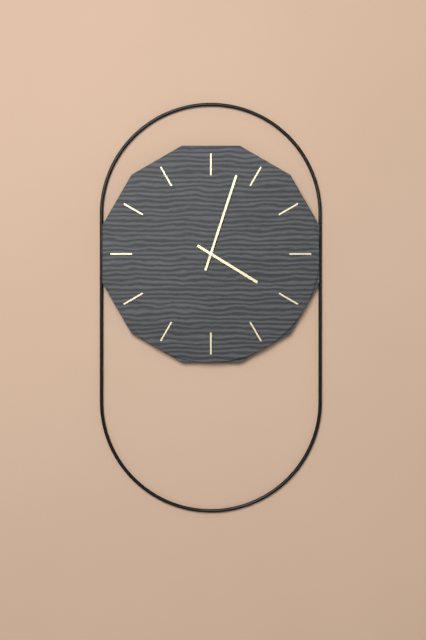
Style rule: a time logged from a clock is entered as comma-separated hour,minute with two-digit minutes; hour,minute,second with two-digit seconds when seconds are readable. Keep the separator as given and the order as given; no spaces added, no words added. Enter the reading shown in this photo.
4,03
